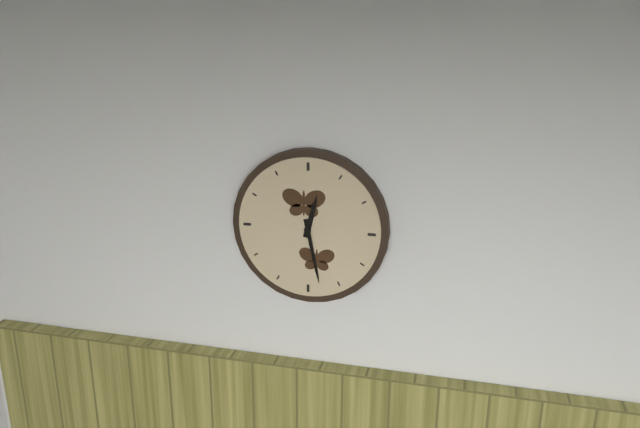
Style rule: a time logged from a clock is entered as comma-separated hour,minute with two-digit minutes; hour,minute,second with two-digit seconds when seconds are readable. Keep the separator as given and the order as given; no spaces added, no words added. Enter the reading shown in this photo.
12,28
